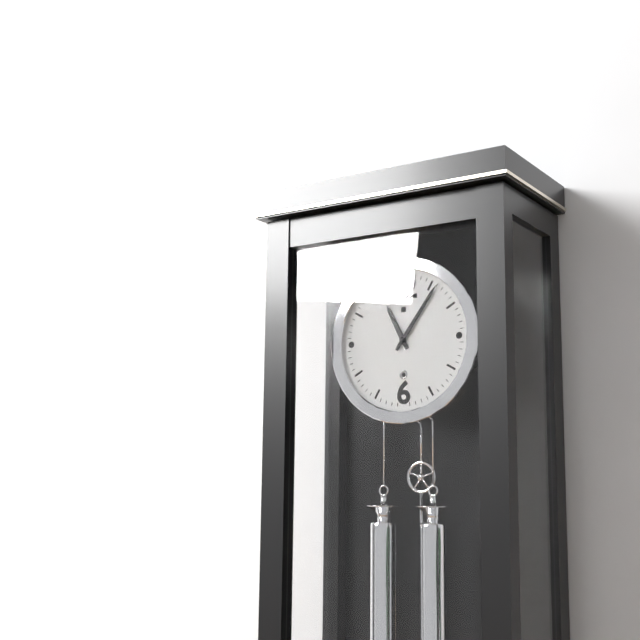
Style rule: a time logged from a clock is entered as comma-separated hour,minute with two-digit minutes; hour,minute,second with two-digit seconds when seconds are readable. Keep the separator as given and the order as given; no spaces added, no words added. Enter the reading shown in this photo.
11,06
